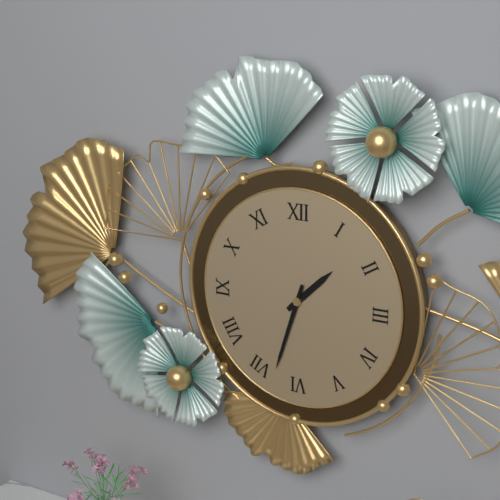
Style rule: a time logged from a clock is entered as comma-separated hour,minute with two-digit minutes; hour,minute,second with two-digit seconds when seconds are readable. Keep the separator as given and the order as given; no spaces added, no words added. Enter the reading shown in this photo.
1,33
